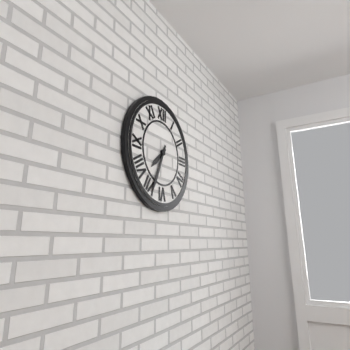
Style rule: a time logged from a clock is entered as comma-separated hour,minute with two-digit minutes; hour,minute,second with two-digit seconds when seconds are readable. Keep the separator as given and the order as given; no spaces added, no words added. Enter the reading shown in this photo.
7,34
